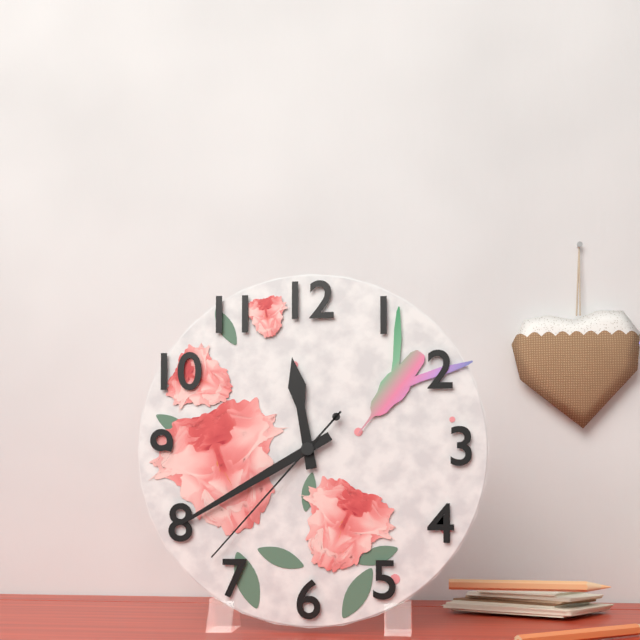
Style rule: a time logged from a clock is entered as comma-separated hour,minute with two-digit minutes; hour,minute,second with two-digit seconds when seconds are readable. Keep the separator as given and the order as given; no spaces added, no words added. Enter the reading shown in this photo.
11,40,37
